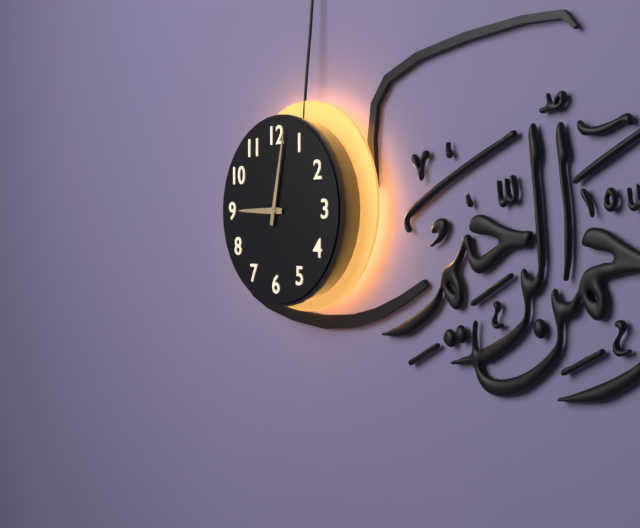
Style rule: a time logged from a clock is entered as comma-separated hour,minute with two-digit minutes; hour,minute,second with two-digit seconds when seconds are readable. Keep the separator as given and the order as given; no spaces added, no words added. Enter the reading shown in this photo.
9,02
